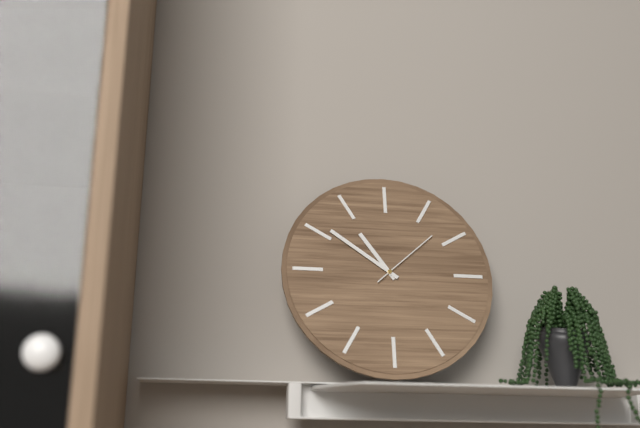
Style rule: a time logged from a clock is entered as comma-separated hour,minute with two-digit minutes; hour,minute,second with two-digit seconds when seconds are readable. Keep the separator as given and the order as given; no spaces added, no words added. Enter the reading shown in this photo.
10,51,08
